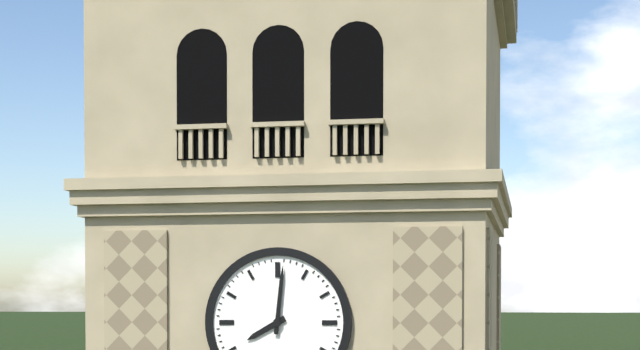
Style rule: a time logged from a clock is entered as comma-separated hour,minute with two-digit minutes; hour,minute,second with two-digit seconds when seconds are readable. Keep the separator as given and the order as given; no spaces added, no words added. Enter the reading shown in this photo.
8,01
